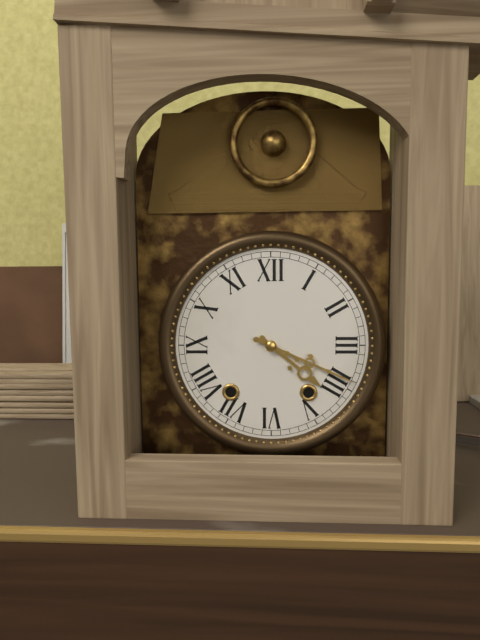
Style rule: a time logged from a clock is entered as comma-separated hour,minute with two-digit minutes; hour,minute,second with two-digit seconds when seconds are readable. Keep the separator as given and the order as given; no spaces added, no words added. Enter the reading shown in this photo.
4,19
